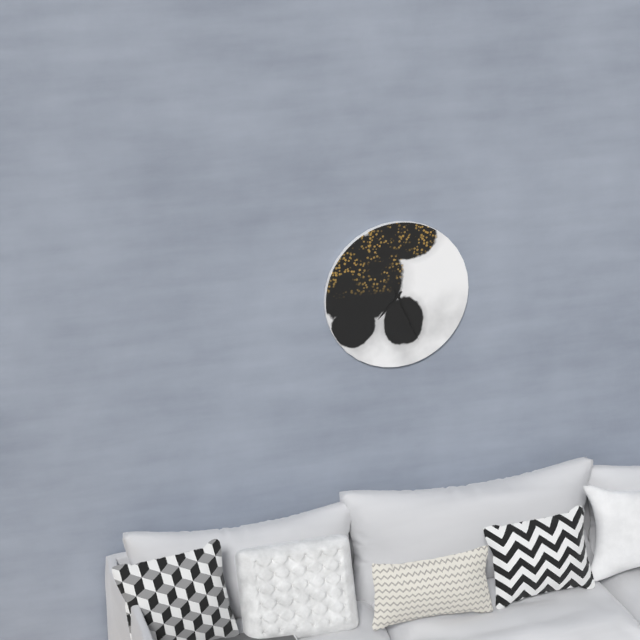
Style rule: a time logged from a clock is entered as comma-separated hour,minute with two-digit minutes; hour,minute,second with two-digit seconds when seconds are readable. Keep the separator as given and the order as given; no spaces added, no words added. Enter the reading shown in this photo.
7,26
